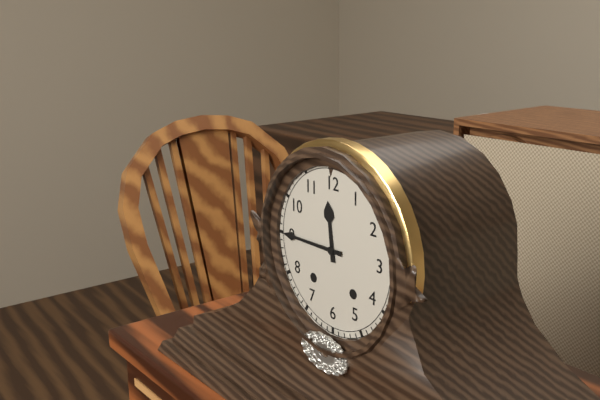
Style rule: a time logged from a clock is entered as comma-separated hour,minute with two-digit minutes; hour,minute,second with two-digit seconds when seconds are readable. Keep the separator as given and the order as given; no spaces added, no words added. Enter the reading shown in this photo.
11,45
